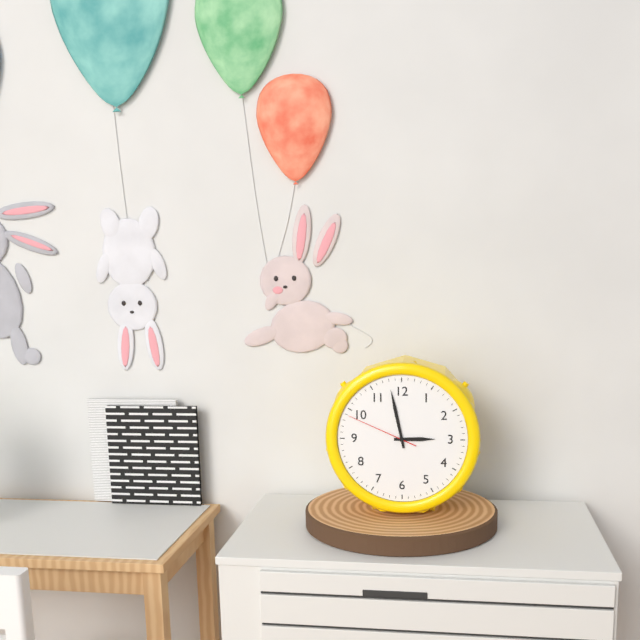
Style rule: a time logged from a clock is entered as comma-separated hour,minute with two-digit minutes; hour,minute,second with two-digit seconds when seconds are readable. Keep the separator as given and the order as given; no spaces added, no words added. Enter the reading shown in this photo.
2,58,49
